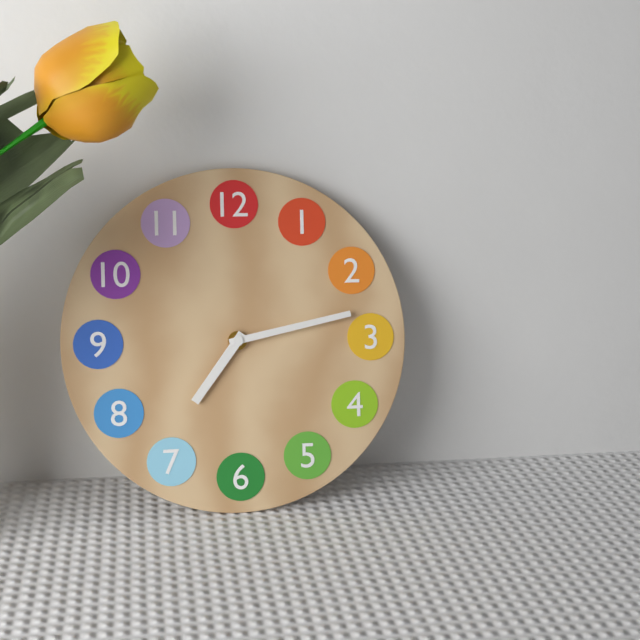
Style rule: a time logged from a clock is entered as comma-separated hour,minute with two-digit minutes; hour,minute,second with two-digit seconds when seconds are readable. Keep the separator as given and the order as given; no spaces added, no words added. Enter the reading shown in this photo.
7,13
